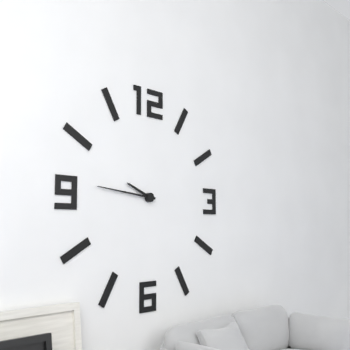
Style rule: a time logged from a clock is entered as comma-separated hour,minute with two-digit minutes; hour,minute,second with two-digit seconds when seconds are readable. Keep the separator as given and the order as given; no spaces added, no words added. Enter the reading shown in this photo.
9,46
